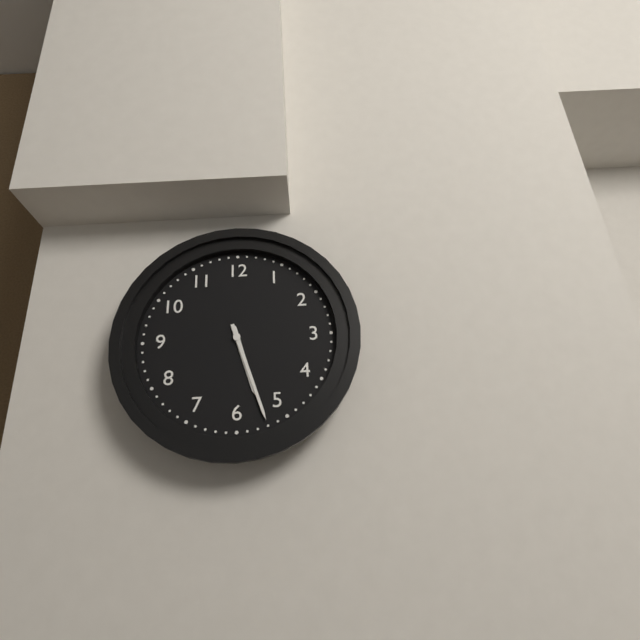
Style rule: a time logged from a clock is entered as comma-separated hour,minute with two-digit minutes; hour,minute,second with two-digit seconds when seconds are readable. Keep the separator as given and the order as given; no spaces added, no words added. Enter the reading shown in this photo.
5,27
